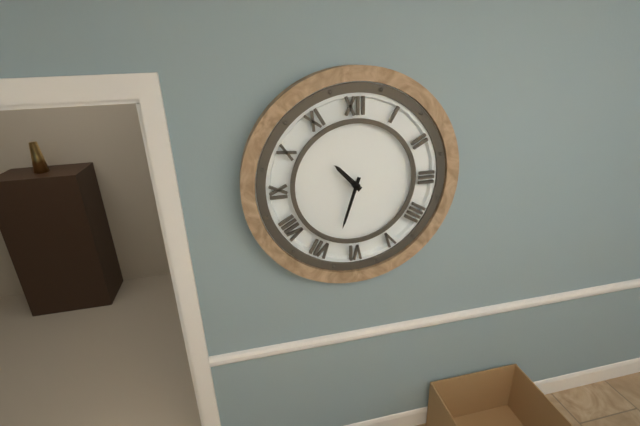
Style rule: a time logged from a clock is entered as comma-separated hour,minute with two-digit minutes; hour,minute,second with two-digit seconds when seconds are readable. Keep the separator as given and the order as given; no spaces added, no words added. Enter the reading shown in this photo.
10,33
